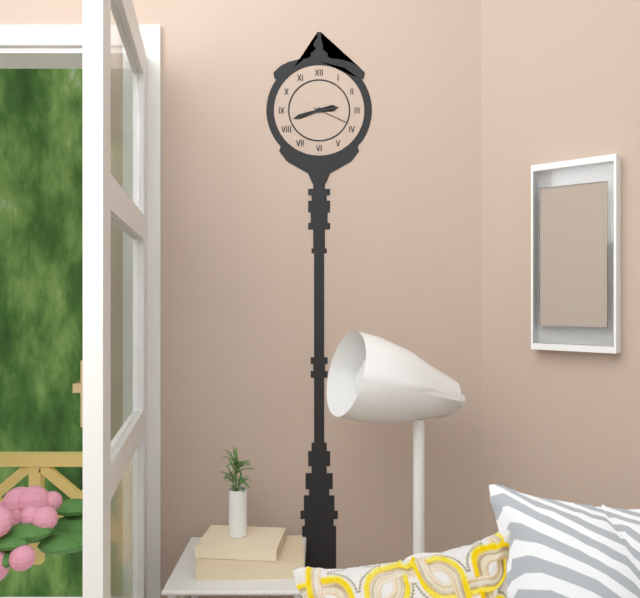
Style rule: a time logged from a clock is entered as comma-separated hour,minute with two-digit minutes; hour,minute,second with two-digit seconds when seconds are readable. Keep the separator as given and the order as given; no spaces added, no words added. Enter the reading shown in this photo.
2,42
